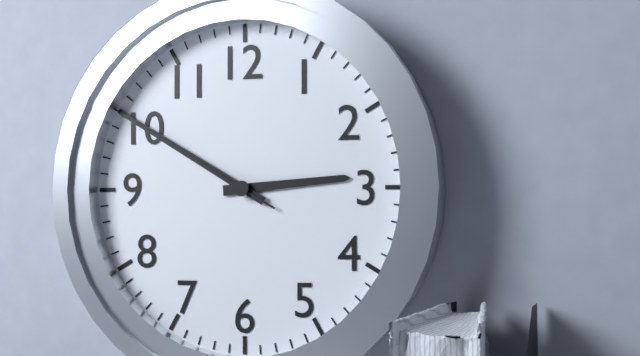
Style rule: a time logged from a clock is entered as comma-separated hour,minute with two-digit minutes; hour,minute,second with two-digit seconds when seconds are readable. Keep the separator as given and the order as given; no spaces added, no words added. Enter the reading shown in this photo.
2,50,50
